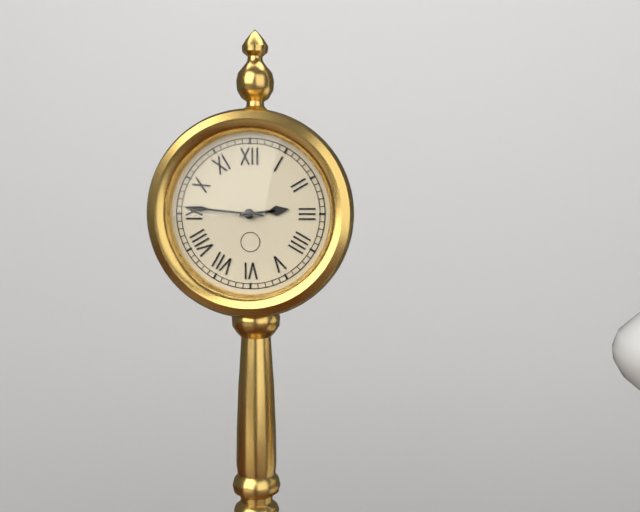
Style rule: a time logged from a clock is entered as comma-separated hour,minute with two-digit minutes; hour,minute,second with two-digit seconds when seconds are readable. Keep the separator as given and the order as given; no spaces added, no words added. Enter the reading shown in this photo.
2,46
